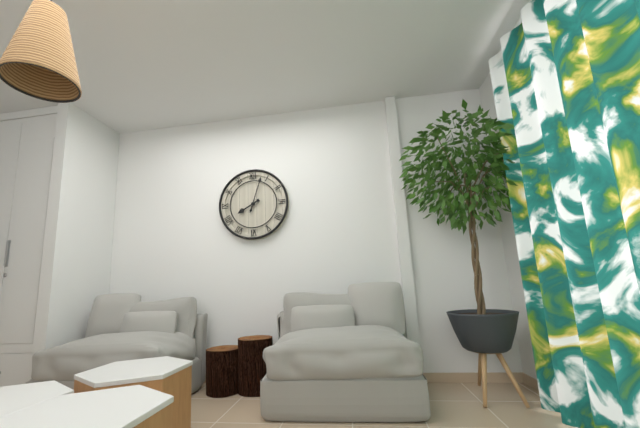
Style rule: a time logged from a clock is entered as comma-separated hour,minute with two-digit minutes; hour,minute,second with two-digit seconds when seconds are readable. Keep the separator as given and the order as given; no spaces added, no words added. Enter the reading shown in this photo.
8,03
